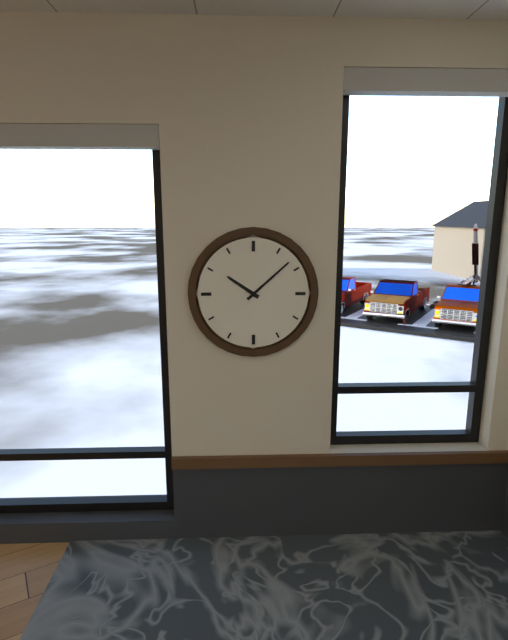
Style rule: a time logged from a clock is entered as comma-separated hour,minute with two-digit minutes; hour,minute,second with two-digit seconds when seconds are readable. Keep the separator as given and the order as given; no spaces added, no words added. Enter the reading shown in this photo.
10,08
